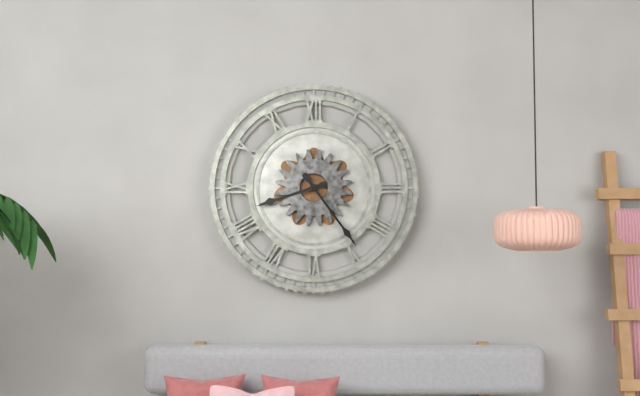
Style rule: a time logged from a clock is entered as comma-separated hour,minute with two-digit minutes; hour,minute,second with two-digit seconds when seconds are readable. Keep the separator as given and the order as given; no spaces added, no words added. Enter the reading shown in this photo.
8,24
